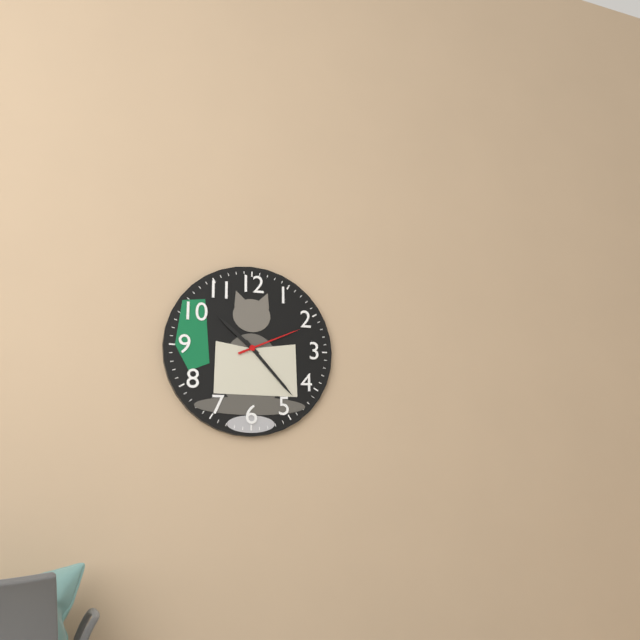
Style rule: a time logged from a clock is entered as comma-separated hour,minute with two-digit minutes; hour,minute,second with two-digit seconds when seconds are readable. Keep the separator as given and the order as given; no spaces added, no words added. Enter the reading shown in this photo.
10,23,11
